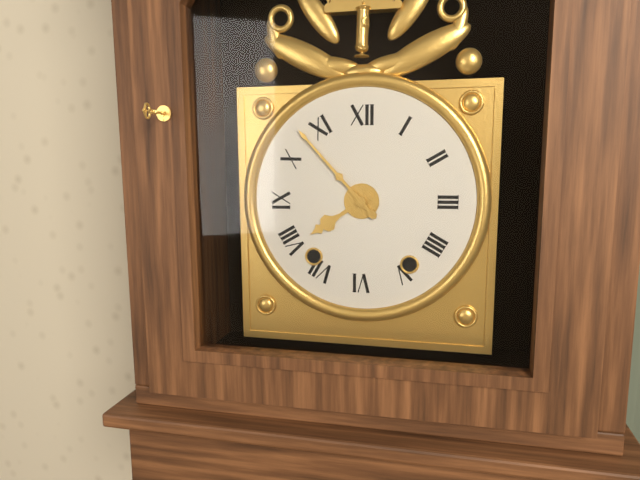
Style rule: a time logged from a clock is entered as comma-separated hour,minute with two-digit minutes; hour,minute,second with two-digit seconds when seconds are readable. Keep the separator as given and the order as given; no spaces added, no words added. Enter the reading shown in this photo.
7,53
